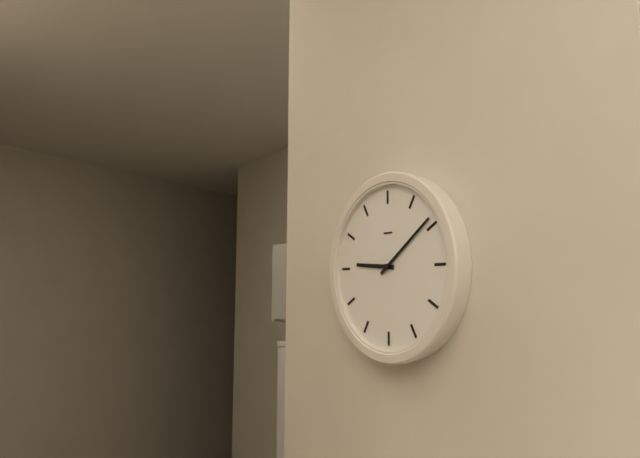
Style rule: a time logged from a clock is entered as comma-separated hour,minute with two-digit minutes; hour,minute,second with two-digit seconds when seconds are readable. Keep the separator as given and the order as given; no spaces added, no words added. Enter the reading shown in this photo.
9,09
